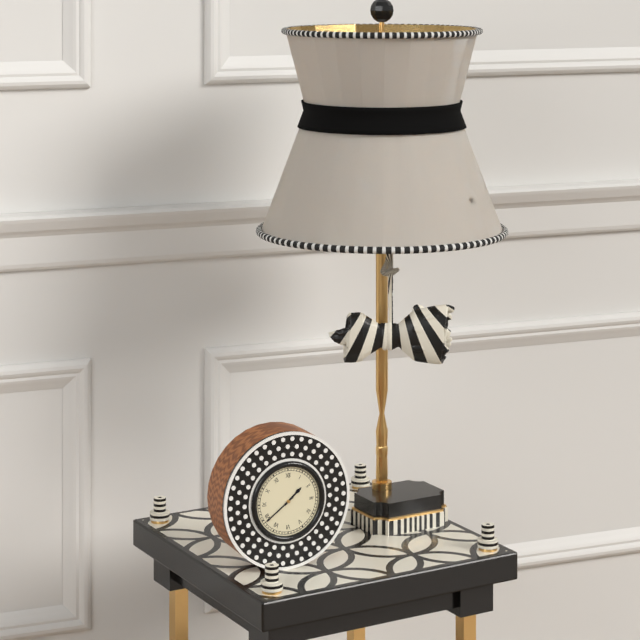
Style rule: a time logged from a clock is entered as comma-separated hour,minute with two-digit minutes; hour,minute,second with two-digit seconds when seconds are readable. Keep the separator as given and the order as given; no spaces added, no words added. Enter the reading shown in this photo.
1,39
